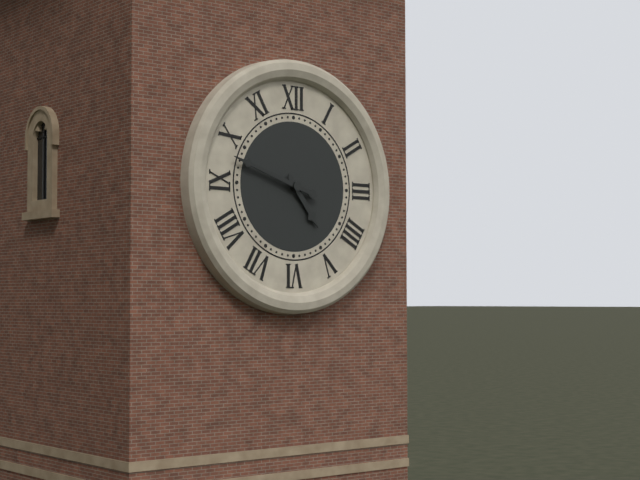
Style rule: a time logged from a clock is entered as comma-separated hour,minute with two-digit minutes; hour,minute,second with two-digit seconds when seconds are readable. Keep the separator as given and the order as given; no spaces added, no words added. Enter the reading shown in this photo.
4,48
